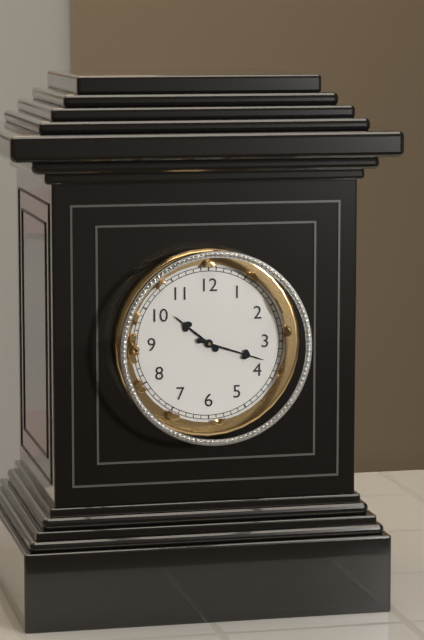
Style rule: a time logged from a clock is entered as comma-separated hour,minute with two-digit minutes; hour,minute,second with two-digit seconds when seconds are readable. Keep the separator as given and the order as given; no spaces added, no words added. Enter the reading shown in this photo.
10,18
